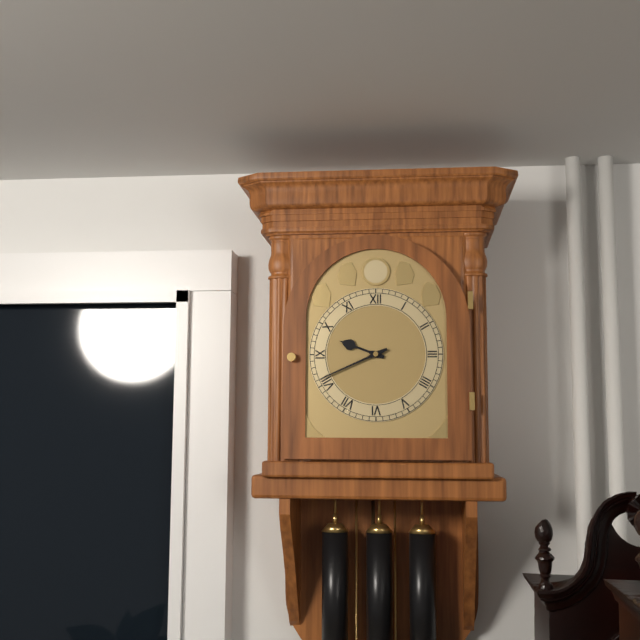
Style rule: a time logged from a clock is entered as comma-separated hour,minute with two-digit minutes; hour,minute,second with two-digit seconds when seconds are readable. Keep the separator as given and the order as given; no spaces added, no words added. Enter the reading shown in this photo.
9,41
